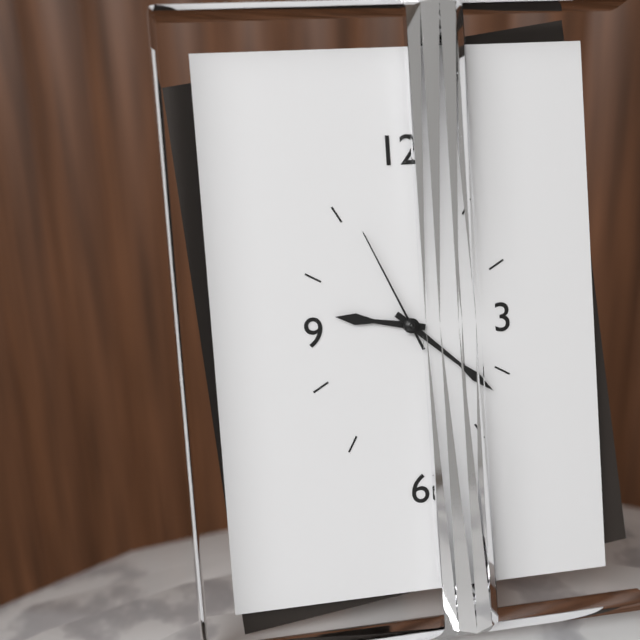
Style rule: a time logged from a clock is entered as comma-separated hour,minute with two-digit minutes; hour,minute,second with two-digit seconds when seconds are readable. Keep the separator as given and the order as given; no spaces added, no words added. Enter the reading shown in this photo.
9,22,56
